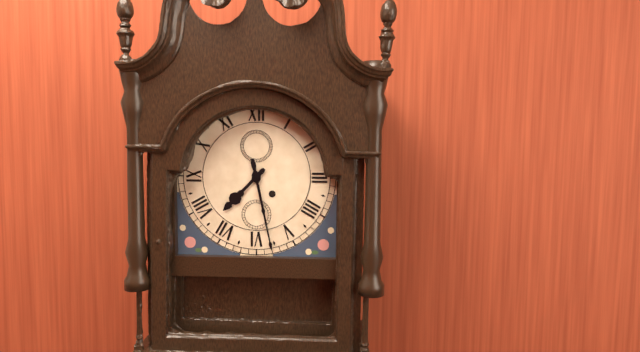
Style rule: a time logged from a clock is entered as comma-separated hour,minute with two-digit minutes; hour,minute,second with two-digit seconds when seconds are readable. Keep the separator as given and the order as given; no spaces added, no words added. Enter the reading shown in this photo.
7,28
